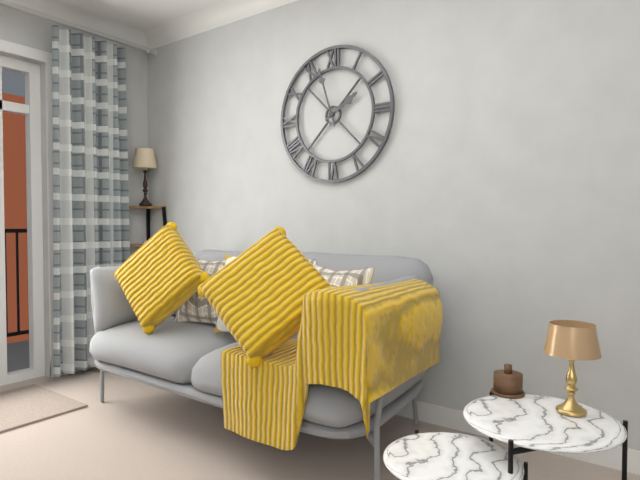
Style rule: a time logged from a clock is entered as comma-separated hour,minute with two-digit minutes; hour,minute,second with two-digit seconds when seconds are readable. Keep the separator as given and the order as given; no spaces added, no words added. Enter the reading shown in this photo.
1,57
